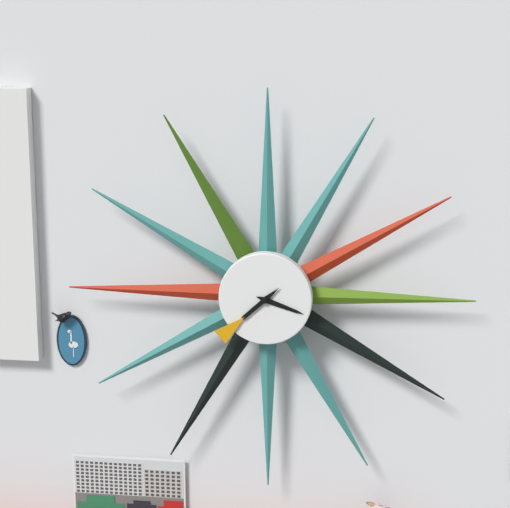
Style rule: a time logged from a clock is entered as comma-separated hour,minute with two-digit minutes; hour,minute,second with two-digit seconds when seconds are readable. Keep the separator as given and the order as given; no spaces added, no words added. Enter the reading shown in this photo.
3,38
